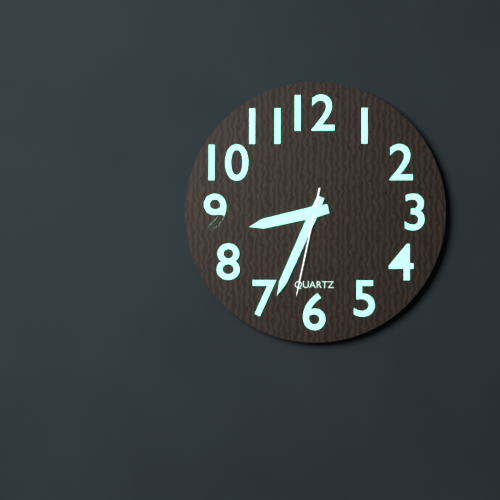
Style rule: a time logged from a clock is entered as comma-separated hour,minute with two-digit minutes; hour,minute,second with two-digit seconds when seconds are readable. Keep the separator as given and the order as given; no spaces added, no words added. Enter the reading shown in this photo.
8,34,32
